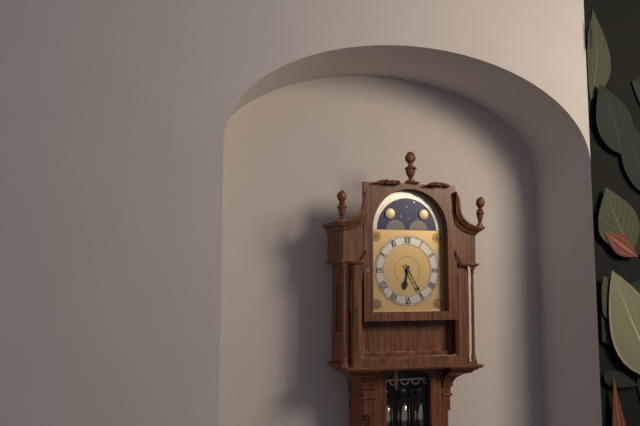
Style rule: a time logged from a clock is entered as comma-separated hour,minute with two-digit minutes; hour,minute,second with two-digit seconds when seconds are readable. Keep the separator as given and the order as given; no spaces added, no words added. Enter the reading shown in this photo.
6,25
